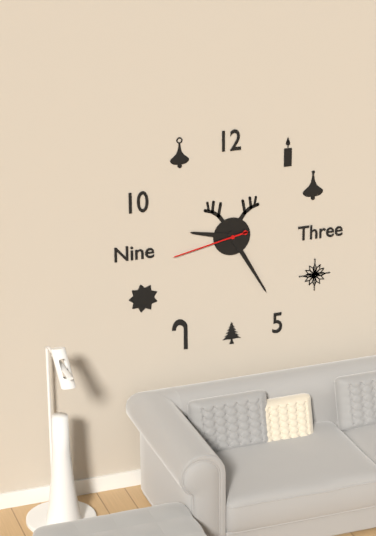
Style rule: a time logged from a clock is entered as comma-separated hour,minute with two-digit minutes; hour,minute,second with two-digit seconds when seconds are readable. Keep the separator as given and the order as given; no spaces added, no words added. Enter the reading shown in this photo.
9,25,43
